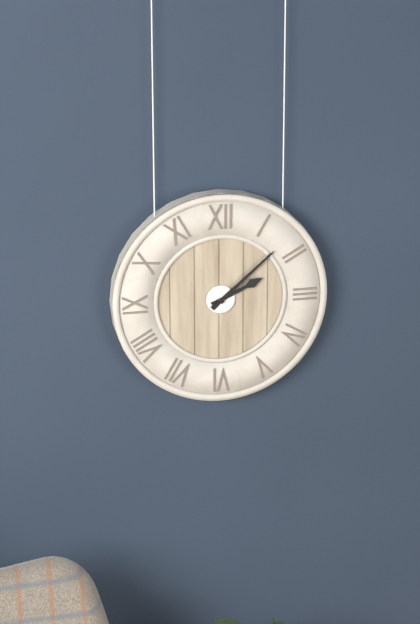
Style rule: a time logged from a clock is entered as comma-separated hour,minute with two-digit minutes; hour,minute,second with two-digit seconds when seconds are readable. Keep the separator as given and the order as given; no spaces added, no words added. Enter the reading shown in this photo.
2,08
